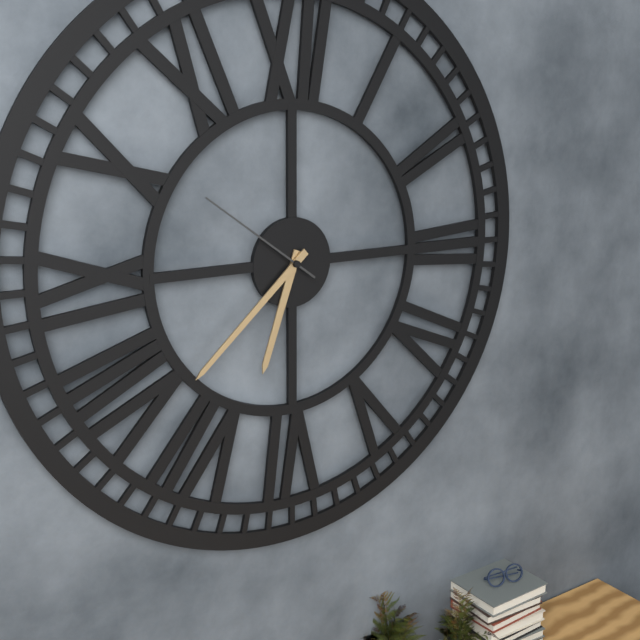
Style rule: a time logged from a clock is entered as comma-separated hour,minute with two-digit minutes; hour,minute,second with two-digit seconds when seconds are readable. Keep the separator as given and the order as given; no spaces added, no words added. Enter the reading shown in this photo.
6,38,51
